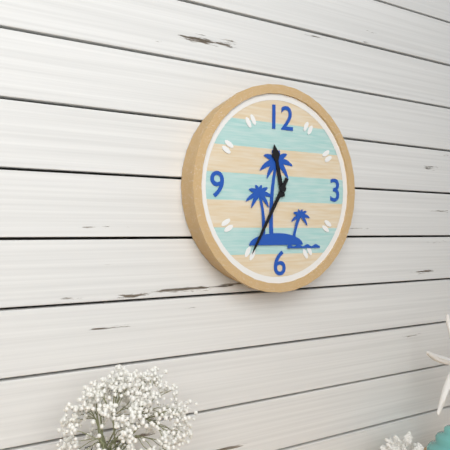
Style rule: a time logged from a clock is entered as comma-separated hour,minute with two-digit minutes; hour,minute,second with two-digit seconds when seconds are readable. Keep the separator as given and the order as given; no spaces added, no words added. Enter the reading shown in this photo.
11,35
